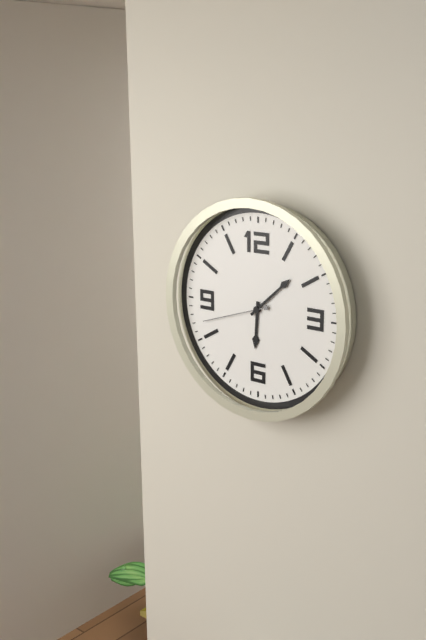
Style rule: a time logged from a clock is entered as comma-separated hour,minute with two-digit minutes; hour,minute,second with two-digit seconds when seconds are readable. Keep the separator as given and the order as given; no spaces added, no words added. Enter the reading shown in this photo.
6,08,42
